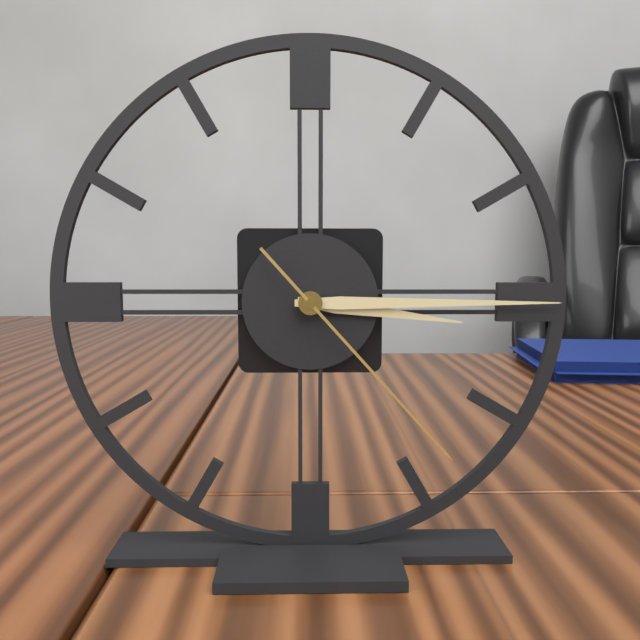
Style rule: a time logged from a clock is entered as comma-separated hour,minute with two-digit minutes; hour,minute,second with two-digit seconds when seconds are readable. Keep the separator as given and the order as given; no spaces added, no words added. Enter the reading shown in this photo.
3,15,23
